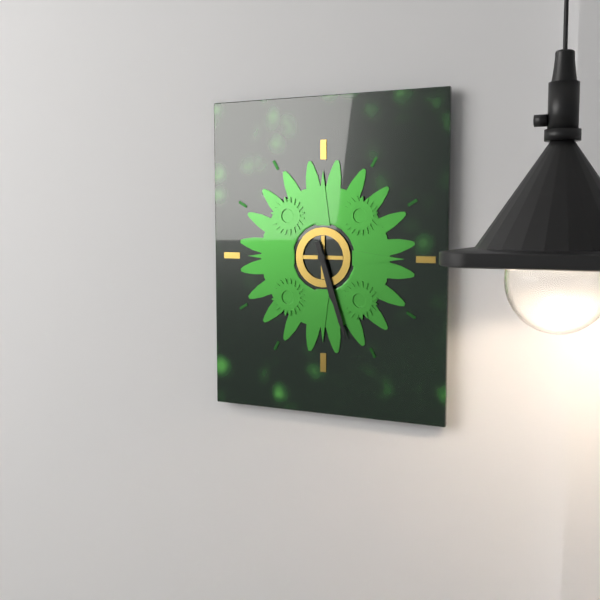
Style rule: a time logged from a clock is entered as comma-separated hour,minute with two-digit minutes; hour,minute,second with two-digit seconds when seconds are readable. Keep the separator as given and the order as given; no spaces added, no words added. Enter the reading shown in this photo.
5,27
